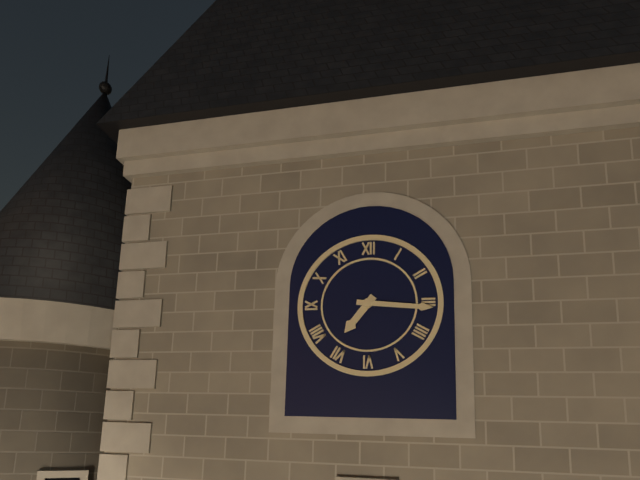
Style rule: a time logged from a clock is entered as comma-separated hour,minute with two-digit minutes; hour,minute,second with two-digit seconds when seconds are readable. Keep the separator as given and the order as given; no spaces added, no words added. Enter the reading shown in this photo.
7,16
